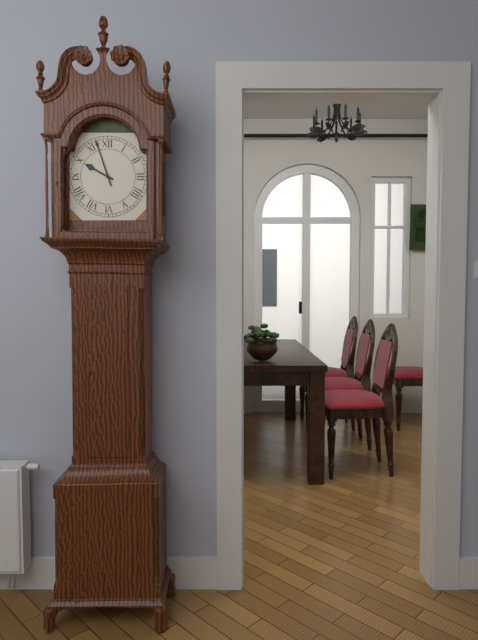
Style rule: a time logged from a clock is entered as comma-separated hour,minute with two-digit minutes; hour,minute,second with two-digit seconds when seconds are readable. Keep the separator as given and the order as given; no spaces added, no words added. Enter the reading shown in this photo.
9,57
